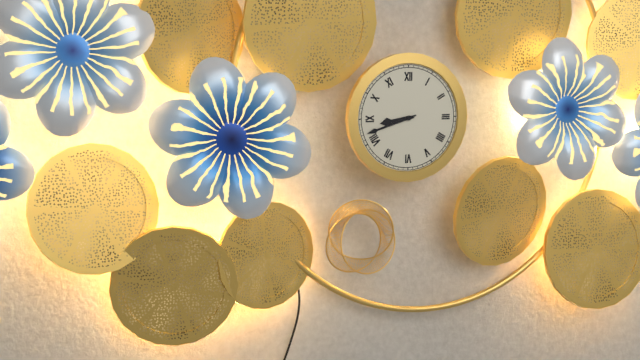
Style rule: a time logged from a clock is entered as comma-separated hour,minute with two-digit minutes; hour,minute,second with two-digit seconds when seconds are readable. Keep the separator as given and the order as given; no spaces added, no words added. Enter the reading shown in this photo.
8,42
